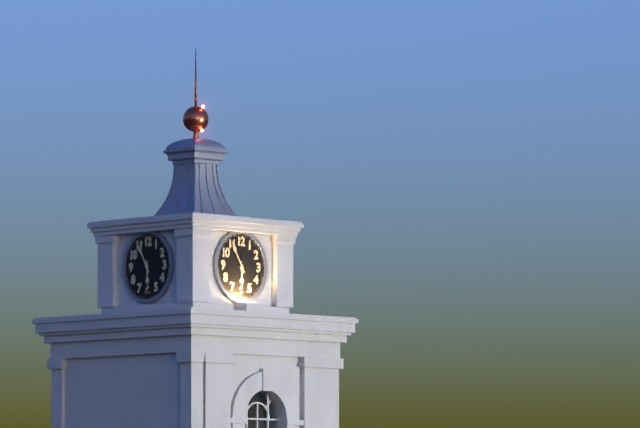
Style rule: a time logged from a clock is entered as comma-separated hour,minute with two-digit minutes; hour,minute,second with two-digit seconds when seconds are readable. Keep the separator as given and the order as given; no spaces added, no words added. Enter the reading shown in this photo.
5,55
